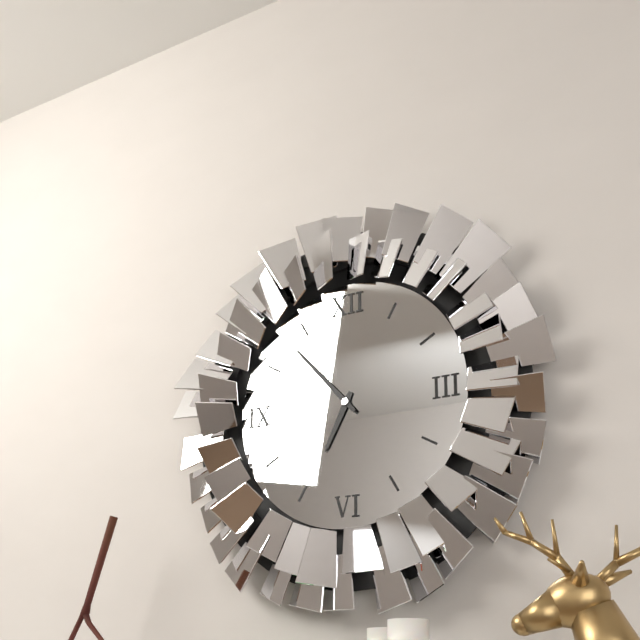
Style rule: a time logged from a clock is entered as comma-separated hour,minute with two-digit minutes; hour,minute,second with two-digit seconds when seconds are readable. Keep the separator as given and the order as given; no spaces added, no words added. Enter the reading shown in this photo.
6,53
